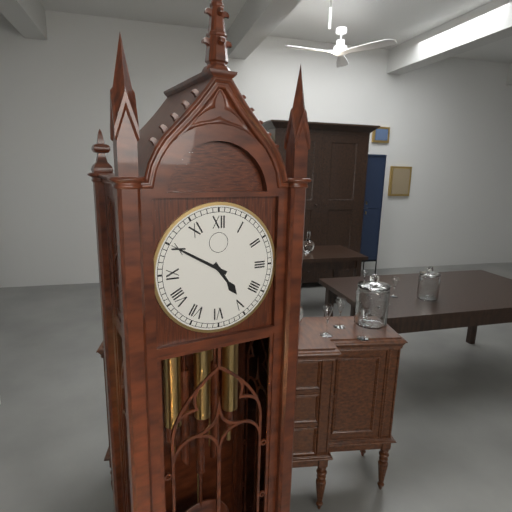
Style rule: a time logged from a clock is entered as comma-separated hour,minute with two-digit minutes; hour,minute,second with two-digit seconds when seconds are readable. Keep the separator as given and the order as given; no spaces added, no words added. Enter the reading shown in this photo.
4,50
